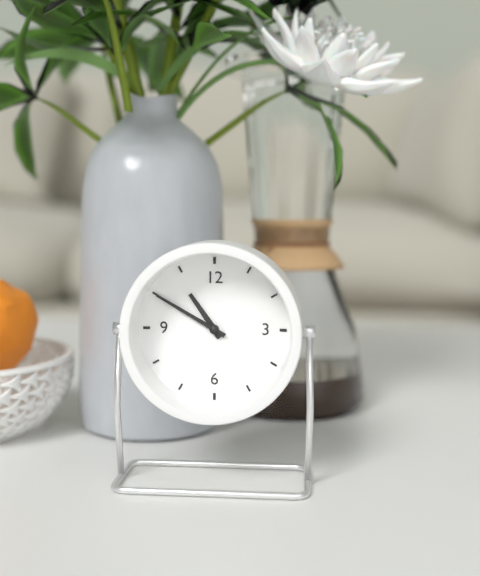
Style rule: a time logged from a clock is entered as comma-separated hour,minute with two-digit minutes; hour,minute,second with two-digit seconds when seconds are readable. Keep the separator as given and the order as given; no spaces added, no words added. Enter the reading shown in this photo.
10,50
